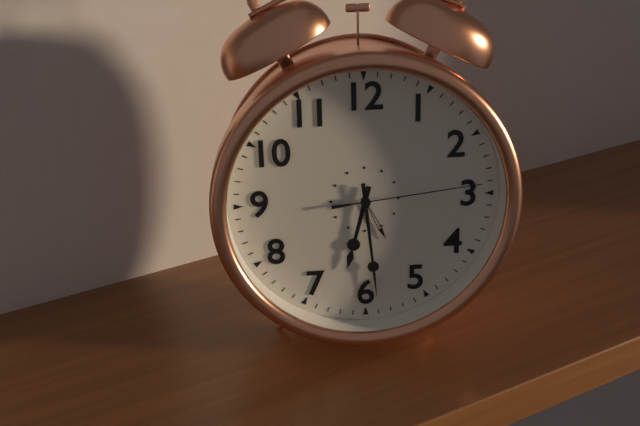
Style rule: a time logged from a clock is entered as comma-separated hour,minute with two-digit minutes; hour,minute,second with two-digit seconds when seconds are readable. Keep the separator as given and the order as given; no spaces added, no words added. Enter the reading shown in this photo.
6,29,14
